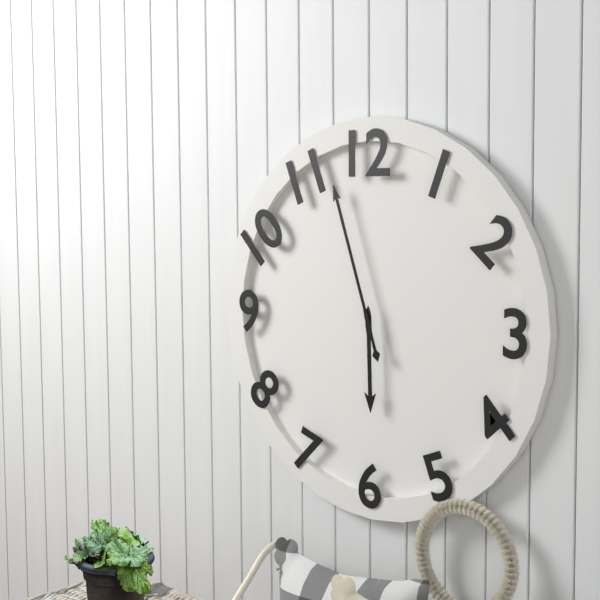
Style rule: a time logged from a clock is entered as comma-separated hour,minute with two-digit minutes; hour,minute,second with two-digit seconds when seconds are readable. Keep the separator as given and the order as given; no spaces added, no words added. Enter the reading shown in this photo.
5,57
